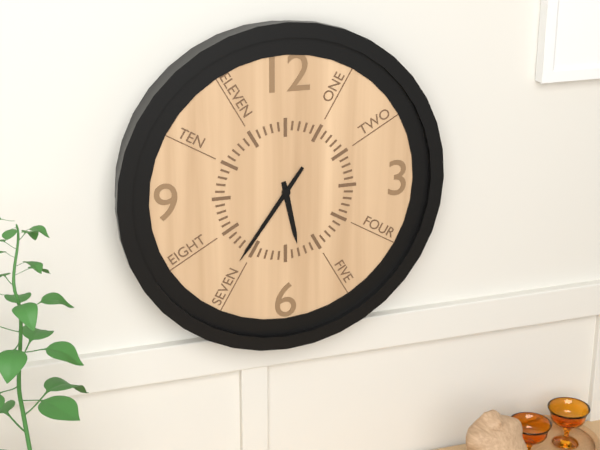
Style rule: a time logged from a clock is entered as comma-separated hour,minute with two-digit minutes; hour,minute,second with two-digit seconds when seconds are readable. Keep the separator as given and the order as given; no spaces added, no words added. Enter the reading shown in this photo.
5,36
